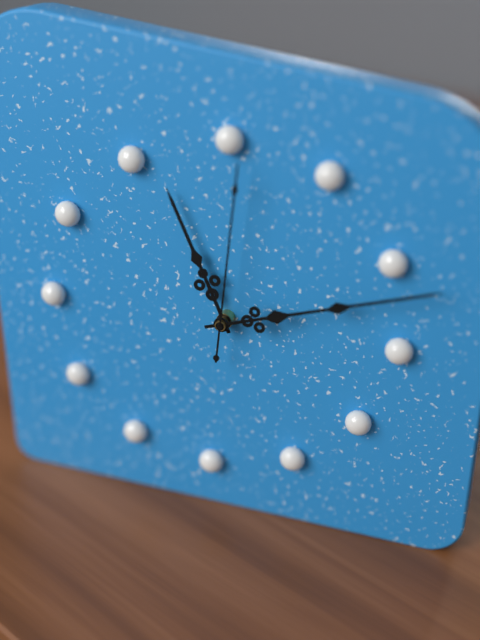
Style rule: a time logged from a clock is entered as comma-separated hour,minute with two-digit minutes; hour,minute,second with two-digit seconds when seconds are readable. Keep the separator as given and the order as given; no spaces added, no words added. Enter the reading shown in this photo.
11,12,01
